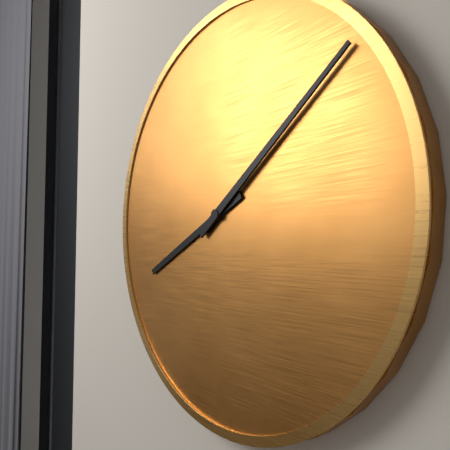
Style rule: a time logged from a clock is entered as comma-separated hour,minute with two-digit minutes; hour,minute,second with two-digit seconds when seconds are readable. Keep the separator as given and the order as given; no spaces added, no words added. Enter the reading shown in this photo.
8,09
